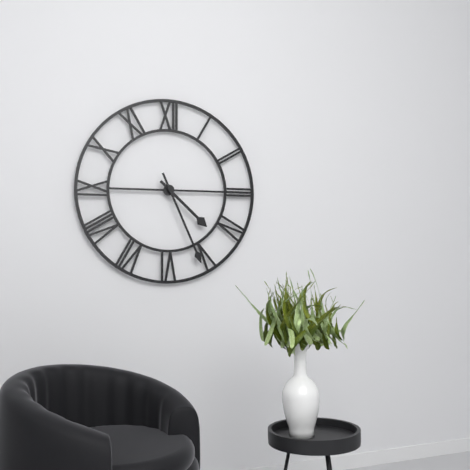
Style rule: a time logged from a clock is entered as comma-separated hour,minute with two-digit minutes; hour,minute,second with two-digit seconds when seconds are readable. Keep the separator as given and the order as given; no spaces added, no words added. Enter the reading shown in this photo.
4,26
